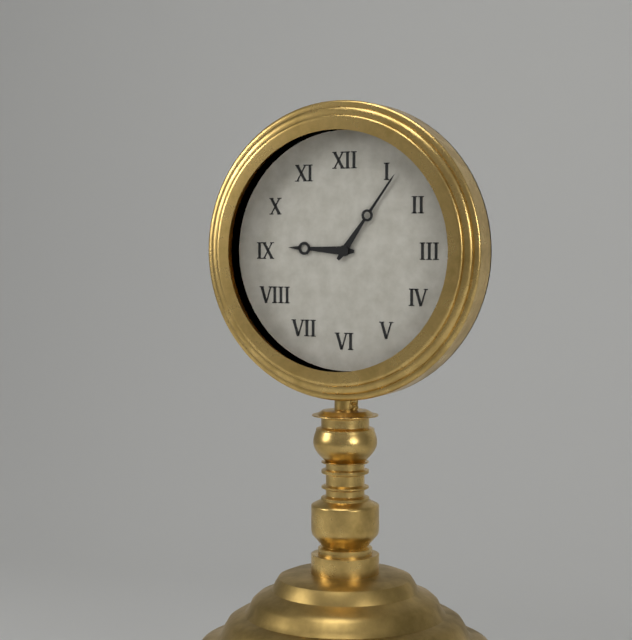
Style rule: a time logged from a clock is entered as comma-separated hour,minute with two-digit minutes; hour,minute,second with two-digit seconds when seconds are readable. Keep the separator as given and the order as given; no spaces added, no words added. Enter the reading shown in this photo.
9,06
